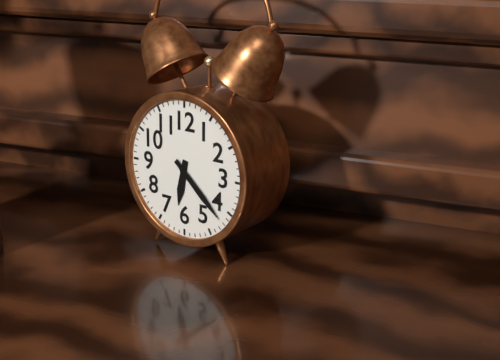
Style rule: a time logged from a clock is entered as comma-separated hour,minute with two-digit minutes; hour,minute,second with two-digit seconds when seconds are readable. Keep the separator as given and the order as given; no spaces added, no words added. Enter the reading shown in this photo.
6,22
